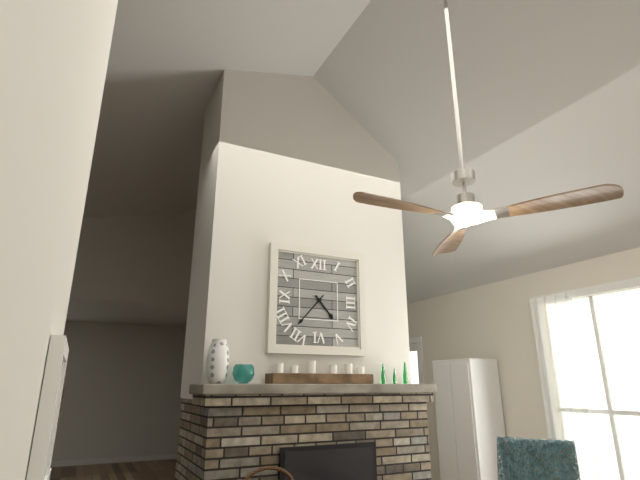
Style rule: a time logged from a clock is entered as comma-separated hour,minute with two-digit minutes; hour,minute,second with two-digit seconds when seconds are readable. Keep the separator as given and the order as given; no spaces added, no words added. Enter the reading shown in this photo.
4,37
